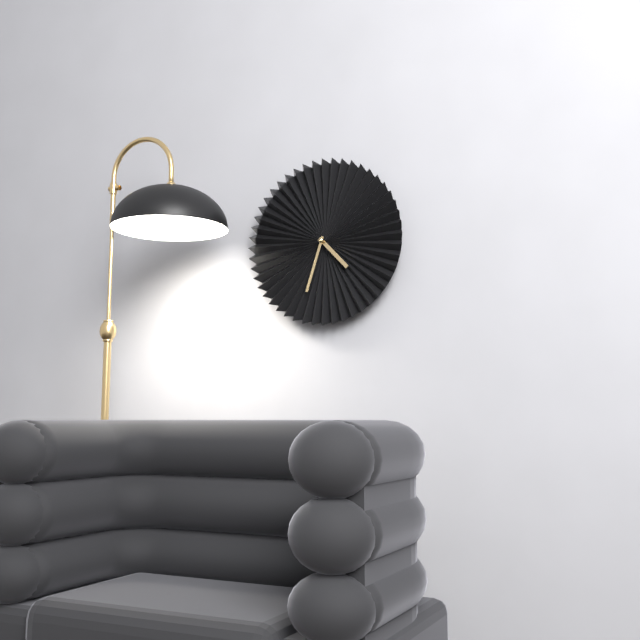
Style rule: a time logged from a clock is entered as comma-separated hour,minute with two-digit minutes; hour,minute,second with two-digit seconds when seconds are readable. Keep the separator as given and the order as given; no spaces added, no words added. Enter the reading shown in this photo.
4,33
